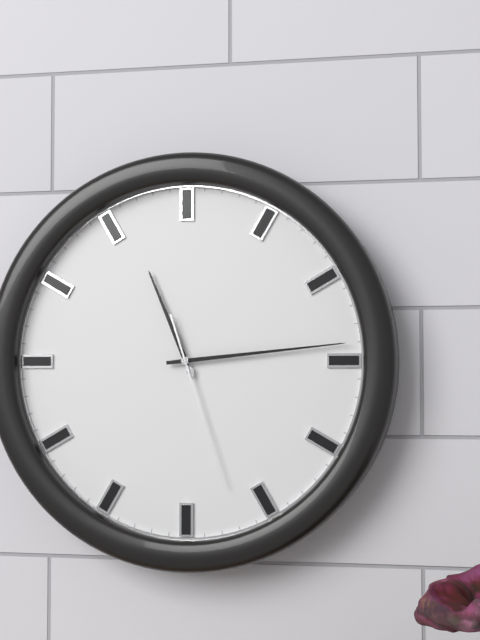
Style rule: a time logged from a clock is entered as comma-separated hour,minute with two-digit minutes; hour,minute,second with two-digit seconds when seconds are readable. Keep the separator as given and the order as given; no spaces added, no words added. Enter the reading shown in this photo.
11,14,27
